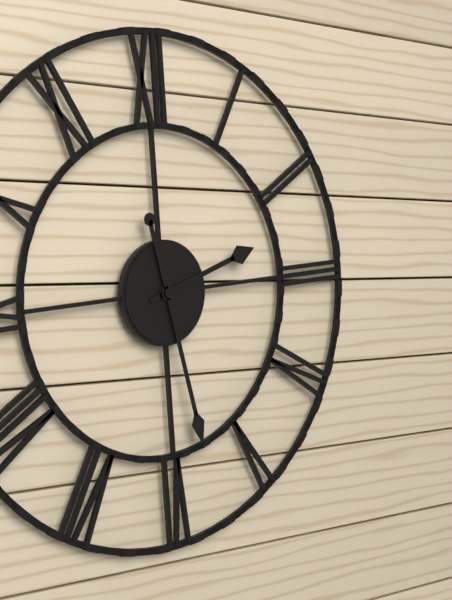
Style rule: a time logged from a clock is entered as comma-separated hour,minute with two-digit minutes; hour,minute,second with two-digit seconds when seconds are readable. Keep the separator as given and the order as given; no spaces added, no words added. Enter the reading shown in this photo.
2,28
